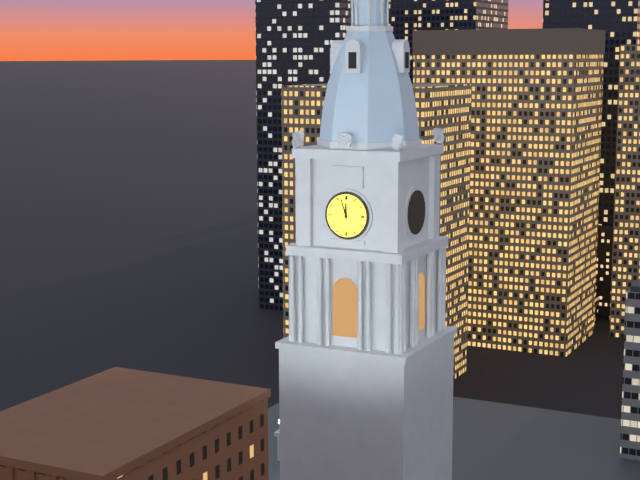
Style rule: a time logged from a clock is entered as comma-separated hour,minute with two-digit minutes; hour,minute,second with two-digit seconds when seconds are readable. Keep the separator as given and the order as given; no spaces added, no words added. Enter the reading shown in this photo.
11,57
